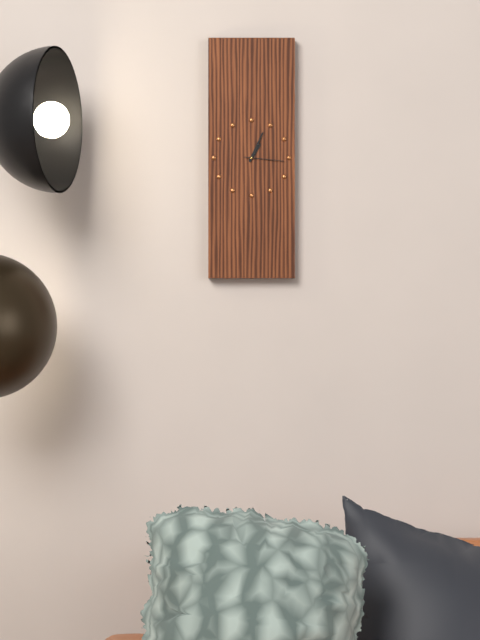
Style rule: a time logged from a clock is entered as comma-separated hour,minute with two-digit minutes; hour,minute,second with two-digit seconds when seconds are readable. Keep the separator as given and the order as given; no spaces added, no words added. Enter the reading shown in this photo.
1,04
